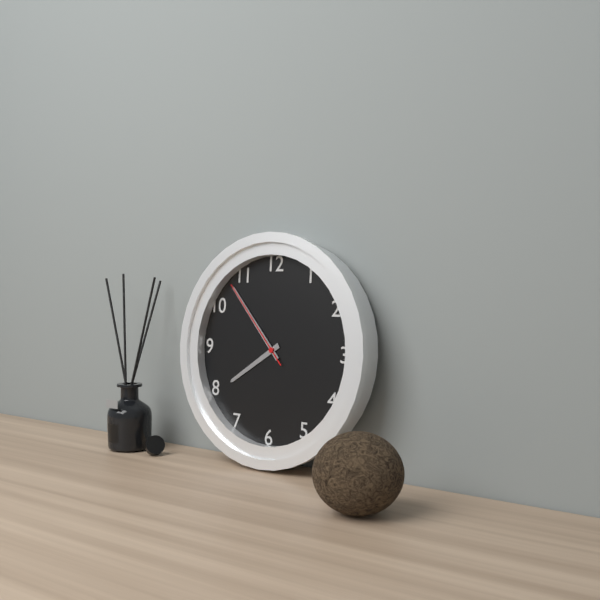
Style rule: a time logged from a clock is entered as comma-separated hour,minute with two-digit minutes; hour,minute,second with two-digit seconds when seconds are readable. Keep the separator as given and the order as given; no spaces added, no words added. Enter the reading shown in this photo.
7,53,53
